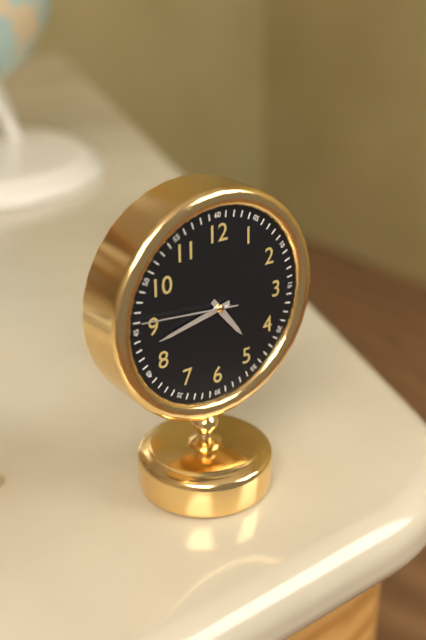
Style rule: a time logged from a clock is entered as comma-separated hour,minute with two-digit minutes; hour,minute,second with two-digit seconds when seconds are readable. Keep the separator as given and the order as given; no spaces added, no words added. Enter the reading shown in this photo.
4,43,46
